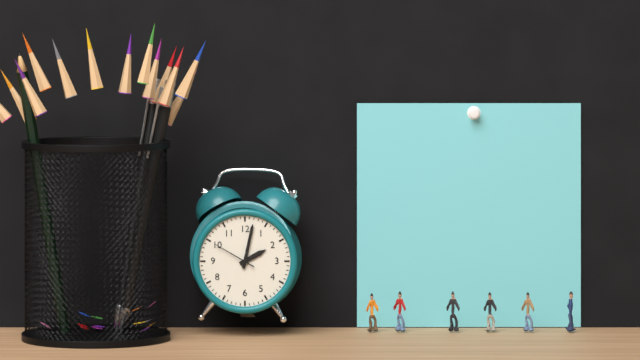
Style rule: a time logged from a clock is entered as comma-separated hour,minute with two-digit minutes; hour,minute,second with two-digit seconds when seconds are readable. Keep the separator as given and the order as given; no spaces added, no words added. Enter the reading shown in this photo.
2,02
